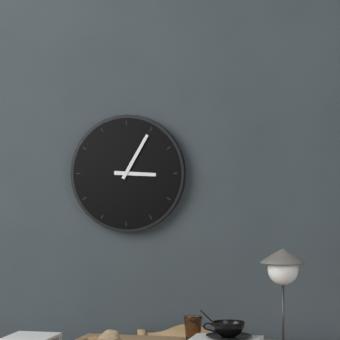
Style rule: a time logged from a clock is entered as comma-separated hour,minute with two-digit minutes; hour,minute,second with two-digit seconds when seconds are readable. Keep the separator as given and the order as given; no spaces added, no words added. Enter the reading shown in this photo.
3,05
